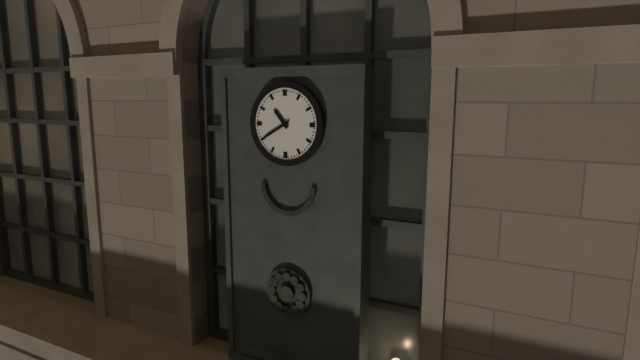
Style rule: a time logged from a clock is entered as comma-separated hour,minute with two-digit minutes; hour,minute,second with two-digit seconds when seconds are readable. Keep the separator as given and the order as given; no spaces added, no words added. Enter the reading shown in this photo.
10,40
